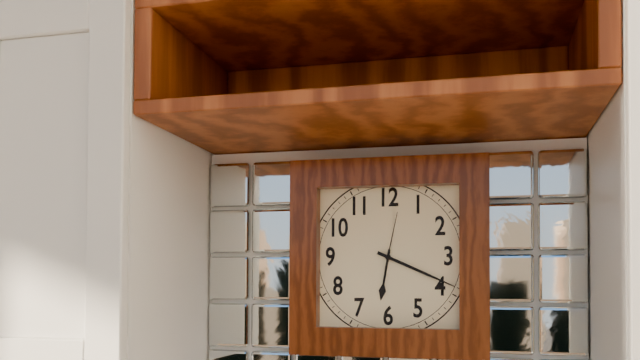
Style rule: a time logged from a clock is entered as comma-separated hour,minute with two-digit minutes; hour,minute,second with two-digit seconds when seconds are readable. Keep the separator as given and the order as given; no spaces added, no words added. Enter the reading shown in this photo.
6,19,02
